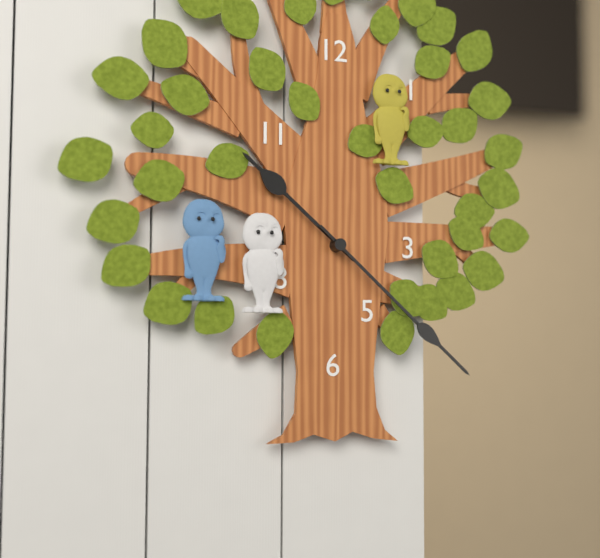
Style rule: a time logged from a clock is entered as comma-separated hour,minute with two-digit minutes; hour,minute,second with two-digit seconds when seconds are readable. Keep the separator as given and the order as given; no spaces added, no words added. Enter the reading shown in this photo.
10,22
